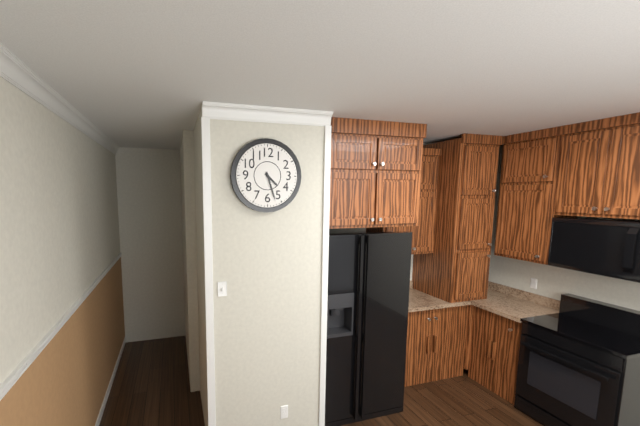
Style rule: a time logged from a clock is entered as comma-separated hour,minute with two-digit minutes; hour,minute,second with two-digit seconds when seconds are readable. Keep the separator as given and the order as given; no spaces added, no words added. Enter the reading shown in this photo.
4,27
